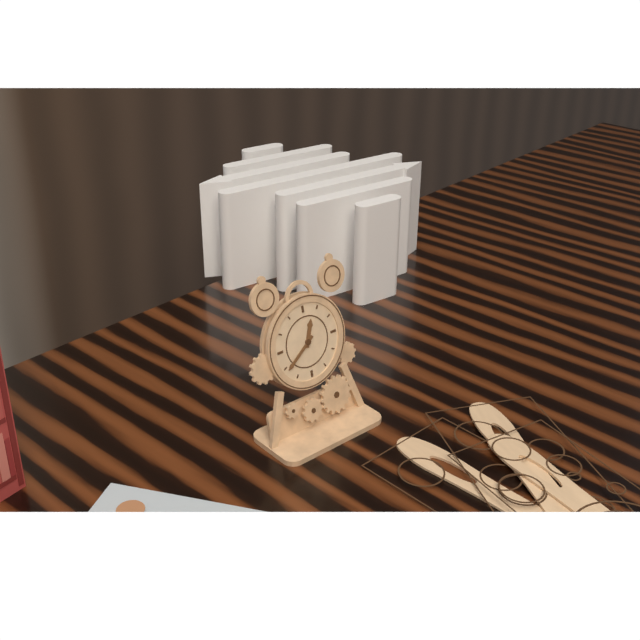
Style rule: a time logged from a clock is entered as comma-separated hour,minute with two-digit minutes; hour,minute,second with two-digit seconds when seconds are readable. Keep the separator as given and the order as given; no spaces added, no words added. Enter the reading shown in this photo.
12,39
